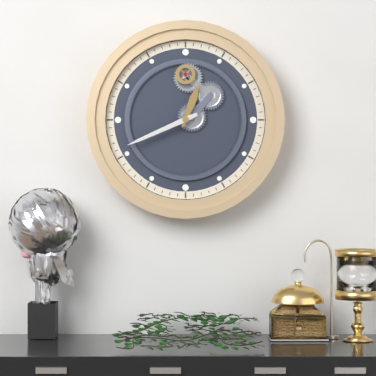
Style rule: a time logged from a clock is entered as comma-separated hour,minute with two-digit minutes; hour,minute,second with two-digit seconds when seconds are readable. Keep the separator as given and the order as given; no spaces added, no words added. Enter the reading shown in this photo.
12,41
